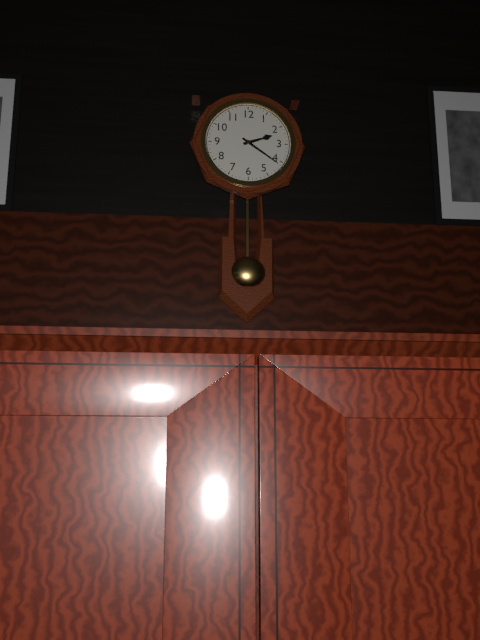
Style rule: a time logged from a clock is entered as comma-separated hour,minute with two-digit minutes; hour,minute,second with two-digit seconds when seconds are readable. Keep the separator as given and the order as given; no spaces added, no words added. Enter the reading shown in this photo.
2,21
